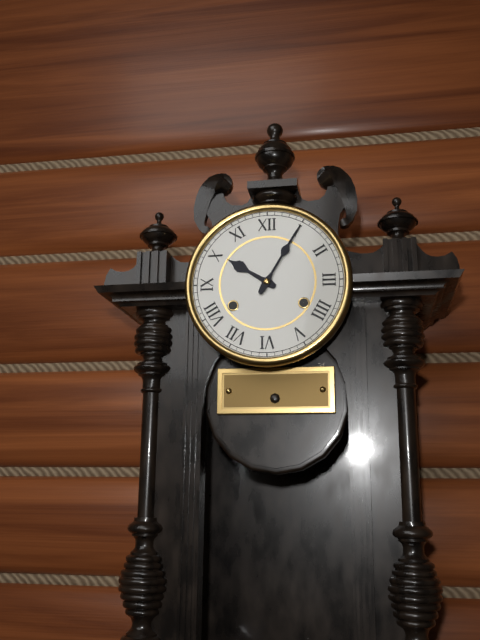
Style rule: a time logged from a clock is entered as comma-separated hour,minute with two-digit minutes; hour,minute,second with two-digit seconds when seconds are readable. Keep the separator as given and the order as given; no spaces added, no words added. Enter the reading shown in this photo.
10,05
